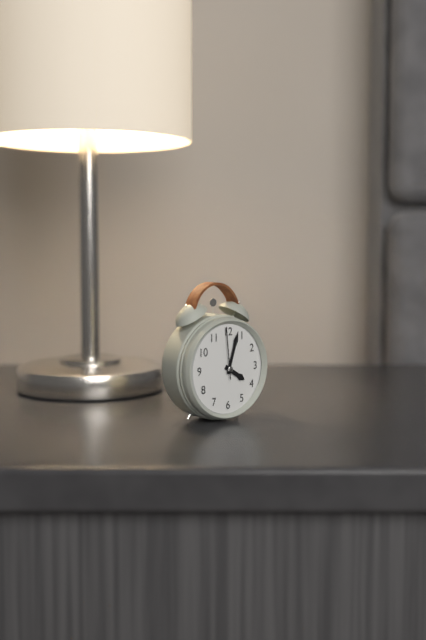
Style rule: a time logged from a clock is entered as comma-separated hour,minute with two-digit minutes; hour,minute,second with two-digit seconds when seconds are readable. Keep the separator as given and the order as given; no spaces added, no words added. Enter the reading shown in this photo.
4,03,59
